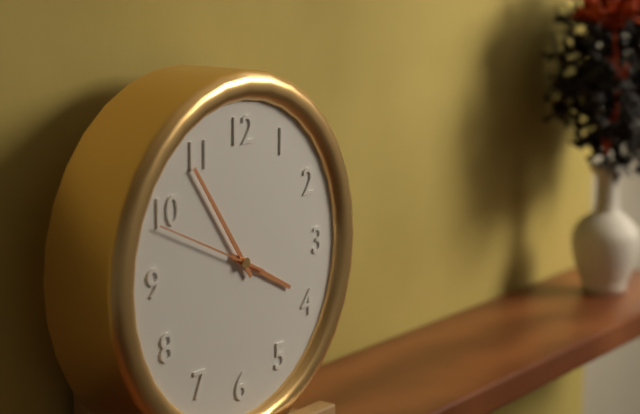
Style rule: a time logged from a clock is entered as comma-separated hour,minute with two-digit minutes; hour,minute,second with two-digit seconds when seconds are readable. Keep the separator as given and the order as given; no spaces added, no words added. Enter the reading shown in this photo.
3,54,49
